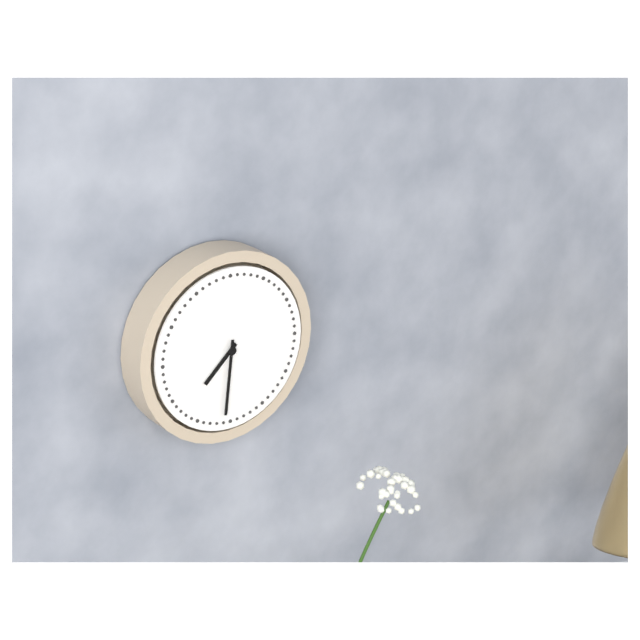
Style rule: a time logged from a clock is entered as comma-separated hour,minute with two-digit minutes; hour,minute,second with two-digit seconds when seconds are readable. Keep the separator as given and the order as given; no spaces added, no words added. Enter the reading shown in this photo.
7,31
